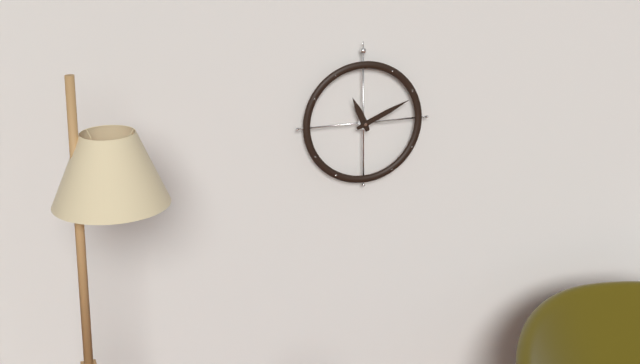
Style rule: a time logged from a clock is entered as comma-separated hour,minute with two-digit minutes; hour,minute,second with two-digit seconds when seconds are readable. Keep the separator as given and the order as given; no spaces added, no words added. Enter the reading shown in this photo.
11,11
